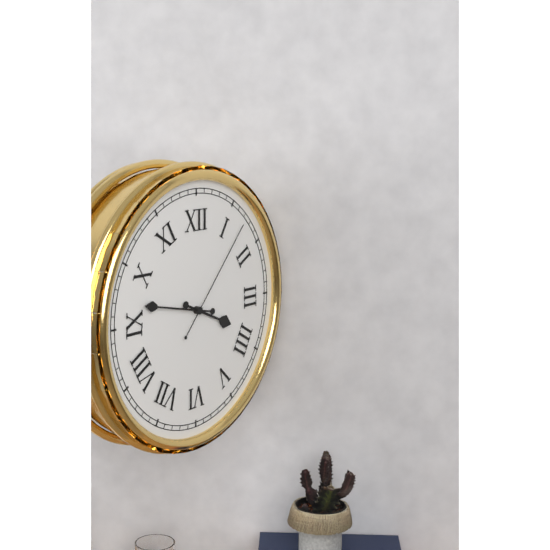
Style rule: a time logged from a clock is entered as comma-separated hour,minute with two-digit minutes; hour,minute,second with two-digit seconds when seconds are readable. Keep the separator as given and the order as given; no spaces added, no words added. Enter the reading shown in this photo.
3,47,07
